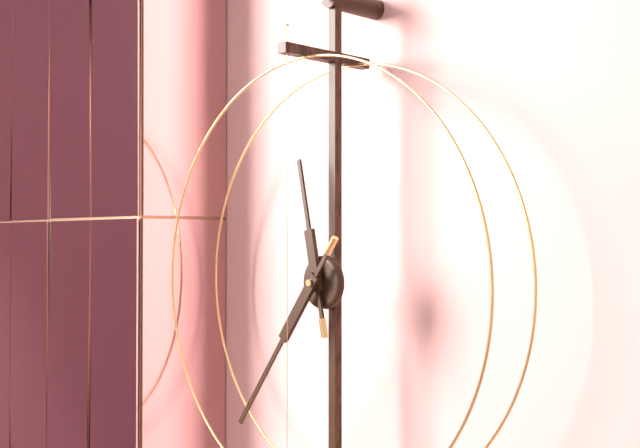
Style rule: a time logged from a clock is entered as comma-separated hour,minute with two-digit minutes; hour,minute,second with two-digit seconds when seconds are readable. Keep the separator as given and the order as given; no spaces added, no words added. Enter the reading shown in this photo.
11,36
